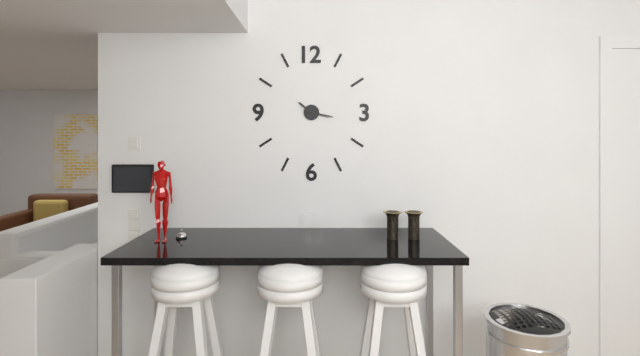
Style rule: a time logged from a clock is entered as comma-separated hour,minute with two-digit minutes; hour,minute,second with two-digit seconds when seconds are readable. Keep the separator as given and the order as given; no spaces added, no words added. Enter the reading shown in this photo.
10,17
